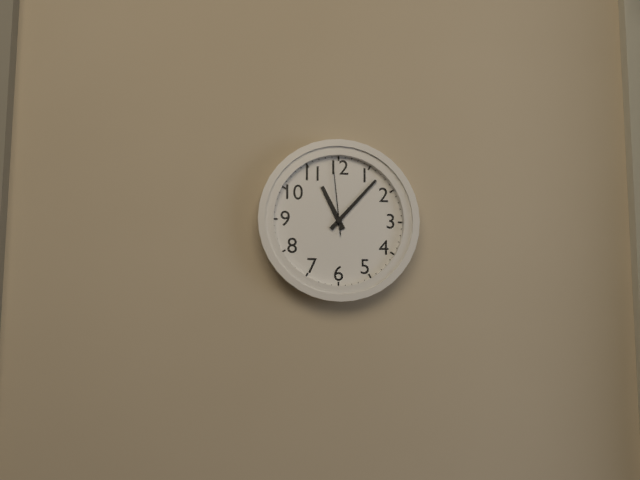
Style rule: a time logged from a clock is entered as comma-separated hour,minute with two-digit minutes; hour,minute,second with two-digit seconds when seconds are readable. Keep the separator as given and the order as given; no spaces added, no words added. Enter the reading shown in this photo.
11,07,59
